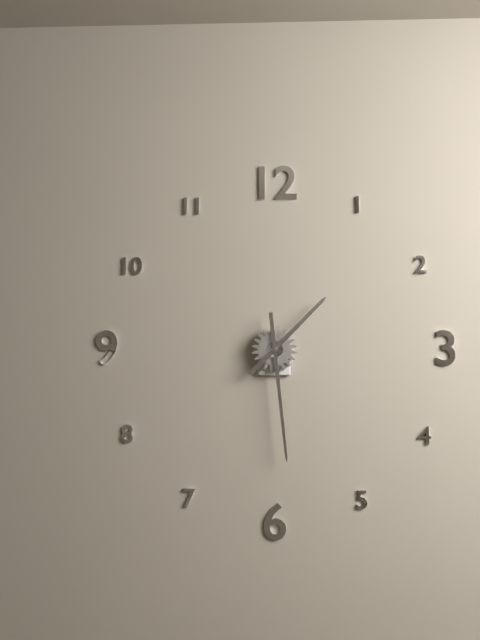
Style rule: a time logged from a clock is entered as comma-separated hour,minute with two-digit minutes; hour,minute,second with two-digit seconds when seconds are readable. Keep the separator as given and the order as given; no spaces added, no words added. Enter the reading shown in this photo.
1,29
